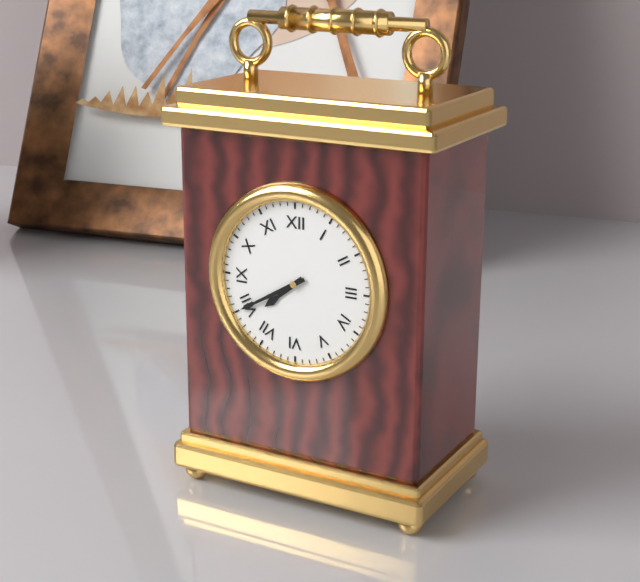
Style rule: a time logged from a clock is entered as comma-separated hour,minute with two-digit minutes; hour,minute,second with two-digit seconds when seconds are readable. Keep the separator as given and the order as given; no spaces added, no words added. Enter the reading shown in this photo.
7,40
